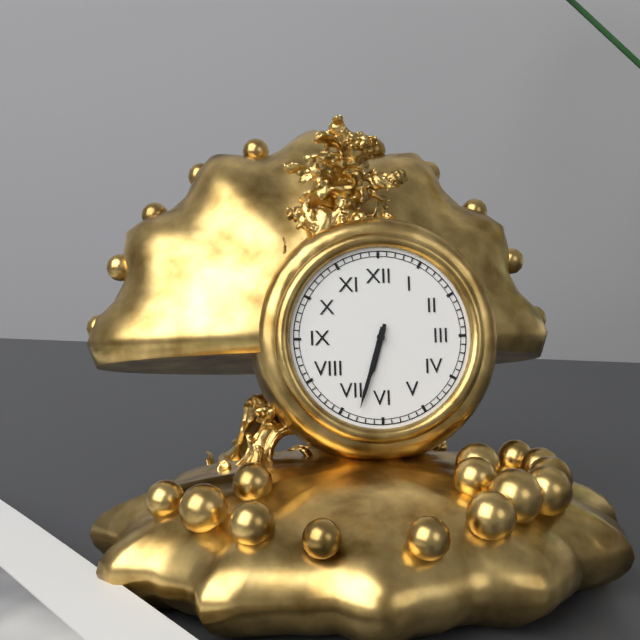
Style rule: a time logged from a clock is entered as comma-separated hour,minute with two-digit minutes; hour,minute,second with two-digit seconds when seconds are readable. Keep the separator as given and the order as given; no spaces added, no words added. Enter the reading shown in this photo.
6,33
